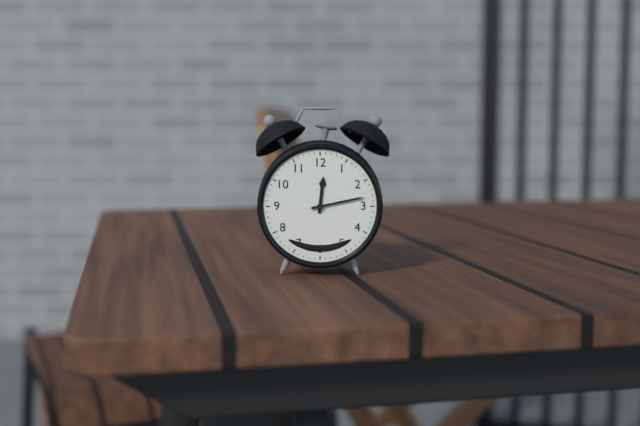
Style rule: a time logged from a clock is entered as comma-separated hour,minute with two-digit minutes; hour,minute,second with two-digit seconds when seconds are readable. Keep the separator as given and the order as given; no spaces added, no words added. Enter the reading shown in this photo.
12,13
